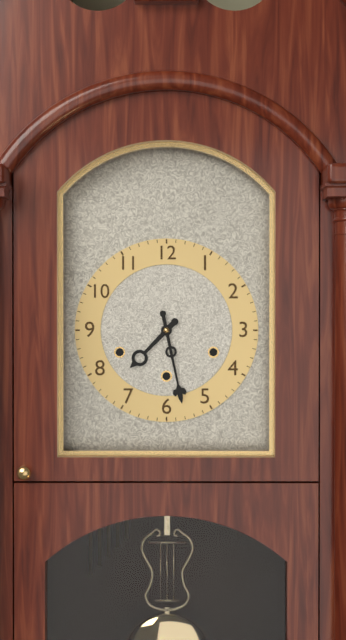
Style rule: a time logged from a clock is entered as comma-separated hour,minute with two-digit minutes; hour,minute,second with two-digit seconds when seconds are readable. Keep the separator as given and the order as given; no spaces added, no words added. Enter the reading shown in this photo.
7,28
